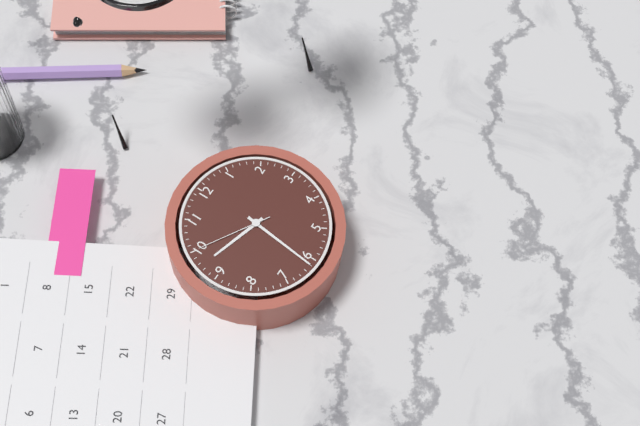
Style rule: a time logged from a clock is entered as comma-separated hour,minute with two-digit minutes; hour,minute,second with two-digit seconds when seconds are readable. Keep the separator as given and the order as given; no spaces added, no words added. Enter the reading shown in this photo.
9,31,50
